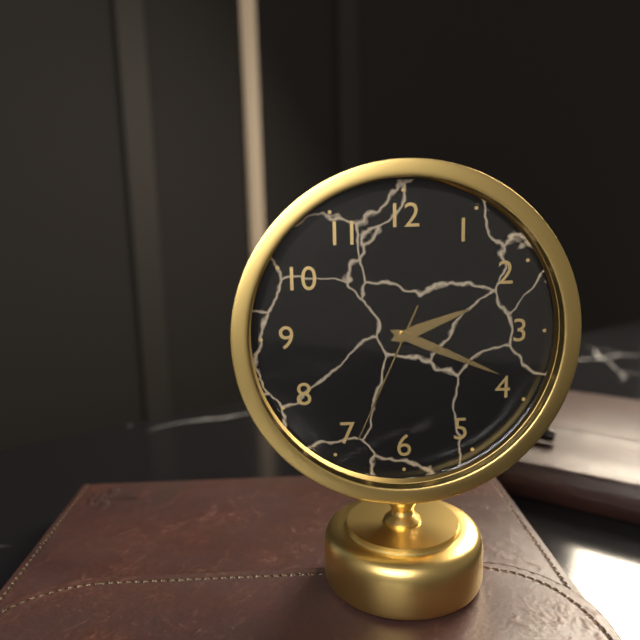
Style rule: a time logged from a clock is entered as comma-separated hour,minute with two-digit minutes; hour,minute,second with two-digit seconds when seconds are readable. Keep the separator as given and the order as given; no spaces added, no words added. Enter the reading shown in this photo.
2,19,34
